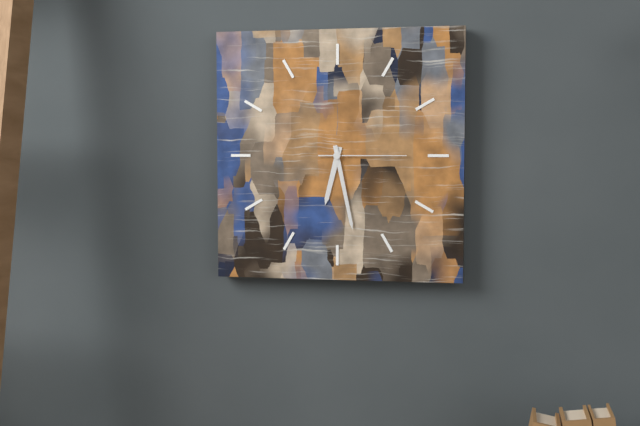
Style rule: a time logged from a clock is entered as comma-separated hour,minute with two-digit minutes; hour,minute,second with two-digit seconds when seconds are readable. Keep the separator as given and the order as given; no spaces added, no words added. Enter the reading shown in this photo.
6,28,15
